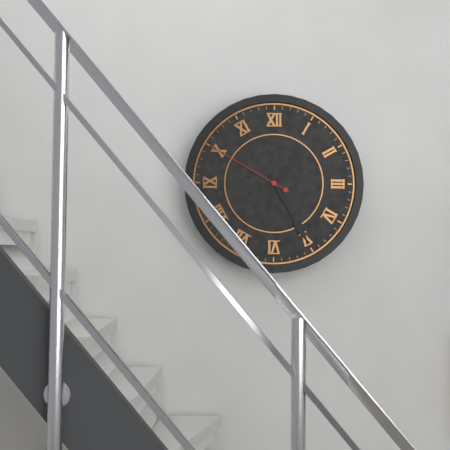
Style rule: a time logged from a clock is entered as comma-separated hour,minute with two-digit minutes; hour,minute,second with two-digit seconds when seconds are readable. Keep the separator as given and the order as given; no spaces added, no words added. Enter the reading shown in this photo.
1,25,50
